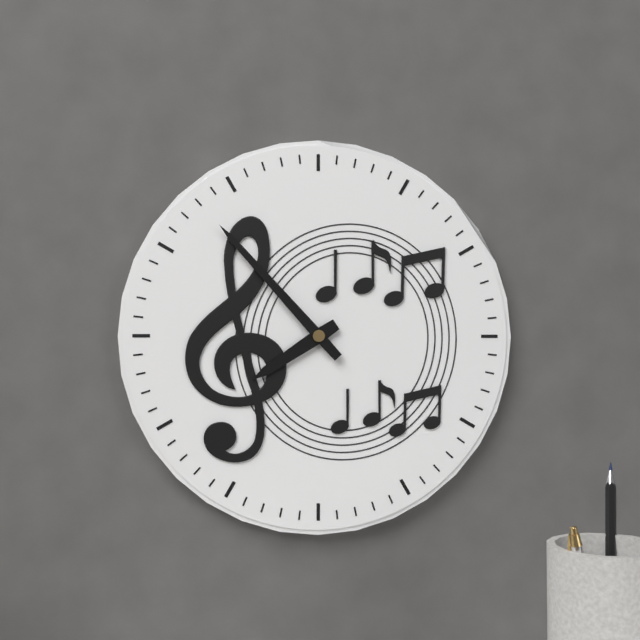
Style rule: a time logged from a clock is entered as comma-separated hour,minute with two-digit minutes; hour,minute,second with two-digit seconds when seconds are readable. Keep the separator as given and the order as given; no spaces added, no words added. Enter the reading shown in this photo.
7,53
